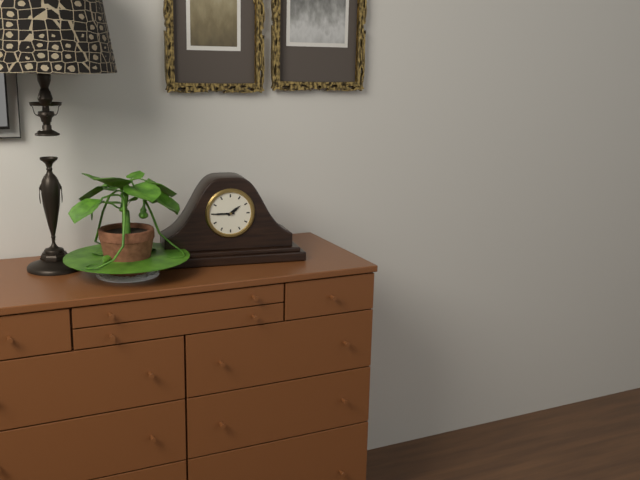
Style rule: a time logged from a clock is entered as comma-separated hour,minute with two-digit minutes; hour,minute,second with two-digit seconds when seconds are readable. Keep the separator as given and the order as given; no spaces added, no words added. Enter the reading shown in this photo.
1,45
